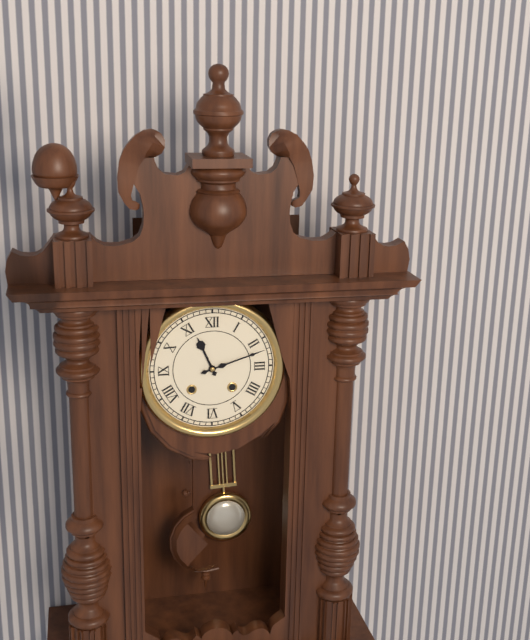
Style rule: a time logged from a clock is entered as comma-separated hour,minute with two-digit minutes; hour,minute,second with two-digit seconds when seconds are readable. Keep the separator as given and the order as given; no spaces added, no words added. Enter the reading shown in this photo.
11,12
